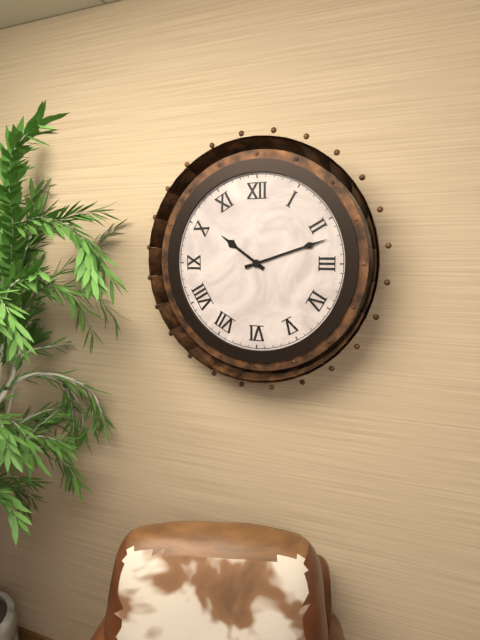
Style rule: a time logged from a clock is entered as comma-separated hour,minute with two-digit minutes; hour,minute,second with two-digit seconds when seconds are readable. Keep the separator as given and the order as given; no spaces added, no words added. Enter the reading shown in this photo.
10,12
